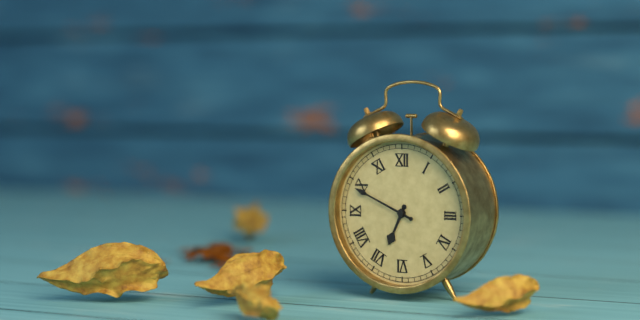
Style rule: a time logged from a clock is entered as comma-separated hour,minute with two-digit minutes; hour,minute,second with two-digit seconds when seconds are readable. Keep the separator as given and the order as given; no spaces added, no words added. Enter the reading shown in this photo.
6,49
